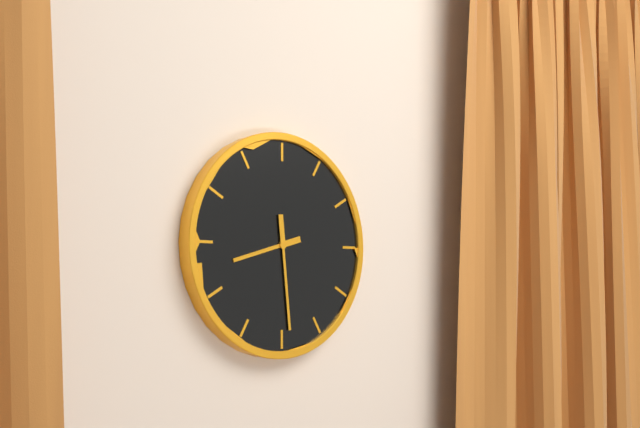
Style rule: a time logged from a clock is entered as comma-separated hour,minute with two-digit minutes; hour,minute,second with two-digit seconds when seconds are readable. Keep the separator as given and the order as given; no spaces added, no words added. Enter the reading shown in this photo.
8,29
